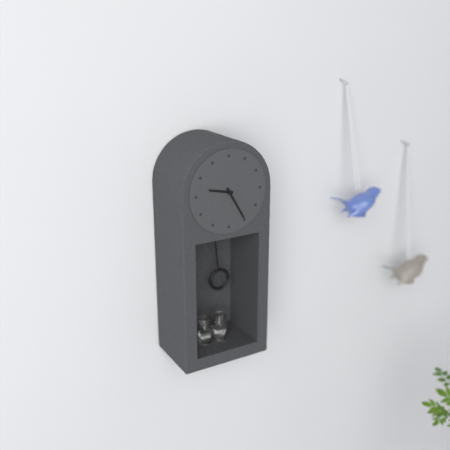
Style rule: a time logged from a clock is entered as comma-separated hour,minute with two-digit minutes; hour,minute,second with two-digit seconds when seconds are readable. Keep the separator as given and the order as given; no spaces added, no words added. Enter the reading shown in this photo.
9,25
